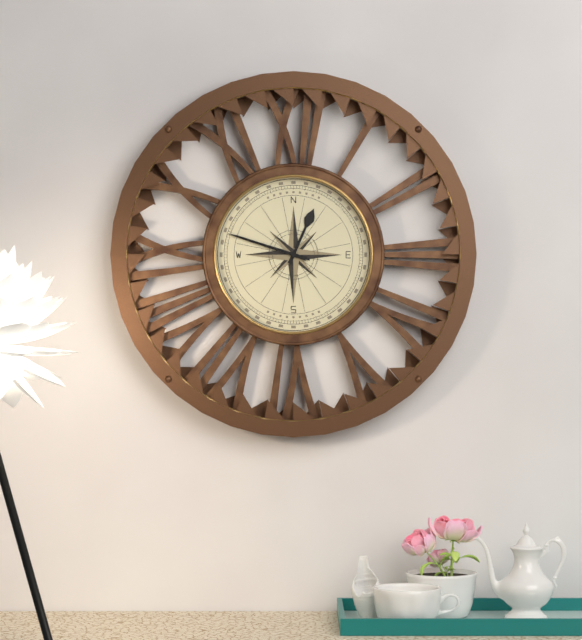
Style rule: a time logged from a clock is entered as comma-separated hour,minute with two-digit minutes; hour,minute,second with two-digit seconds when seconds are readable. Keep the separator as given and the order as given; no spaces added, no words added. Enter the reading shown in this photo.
12,48,48
